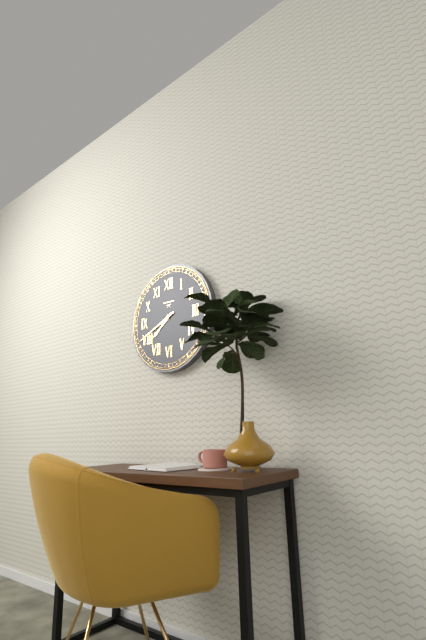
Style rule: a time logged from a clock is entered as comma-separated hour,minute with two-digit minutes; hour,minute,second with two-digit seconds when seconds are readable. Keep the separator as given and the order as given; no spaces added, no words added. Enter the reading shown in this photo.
7,41
